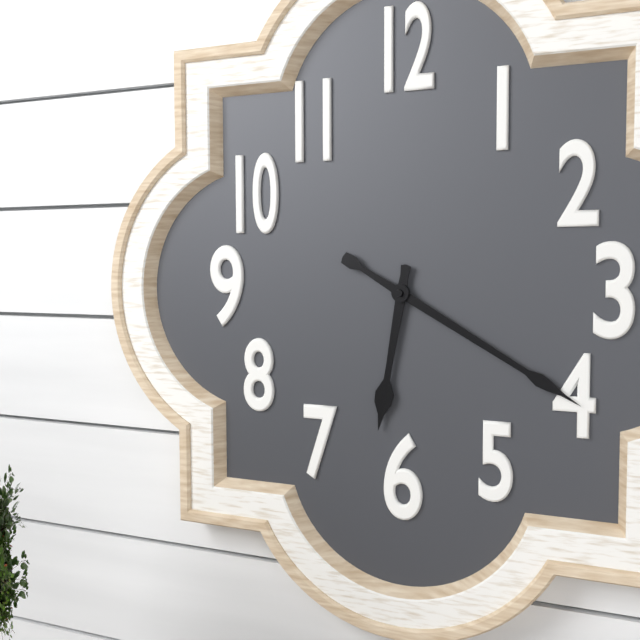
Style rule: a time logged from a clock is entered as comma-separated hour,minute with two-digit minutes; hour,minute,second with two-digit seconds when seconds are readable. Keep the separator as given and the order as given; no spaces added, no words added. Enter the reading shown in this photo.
6,20
